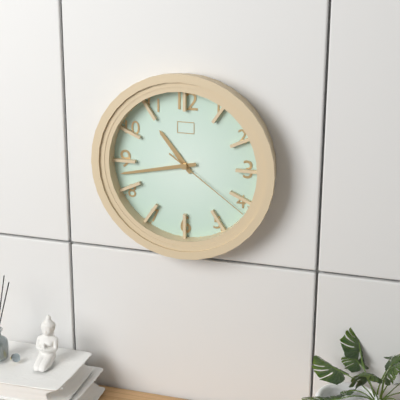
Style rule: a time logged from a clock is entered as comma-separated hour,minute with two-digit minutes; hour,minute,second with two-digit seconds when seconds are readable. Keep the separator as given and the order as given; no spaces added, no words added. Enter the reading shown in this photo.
10,43,21
